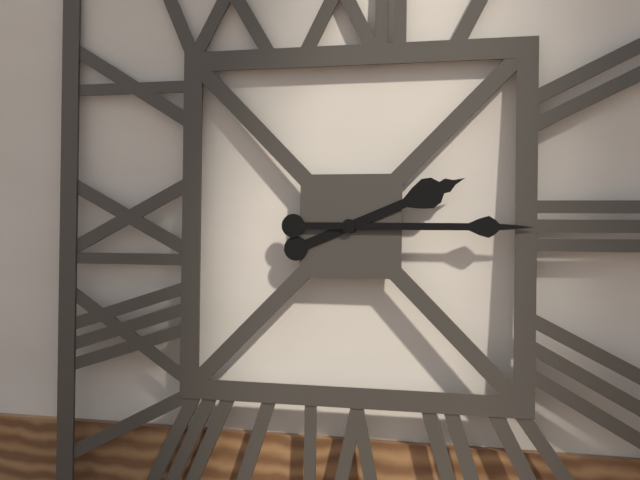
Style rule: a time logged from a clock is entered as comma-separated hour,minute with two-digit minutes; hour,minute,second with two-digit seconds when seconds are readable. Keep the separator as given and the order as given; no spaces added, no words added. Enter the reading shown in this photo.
2,15
